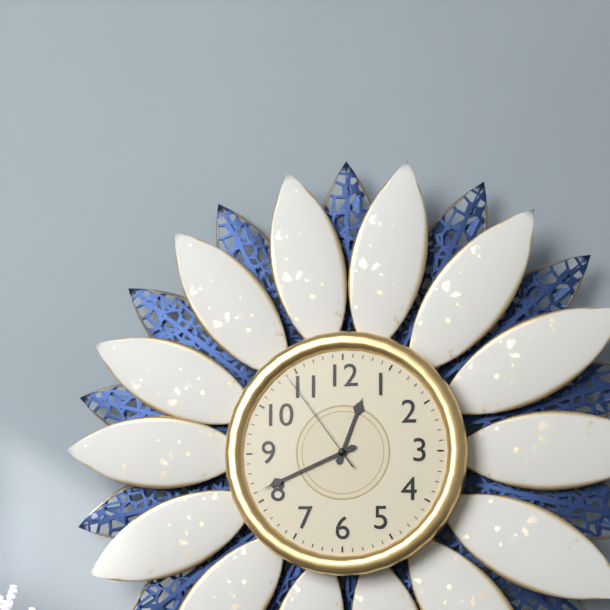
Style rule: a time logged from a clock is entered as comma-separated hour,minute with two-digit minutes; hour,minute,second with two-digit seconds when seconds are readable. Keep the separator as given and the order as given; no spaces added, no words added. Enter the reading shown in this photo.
12,41,54
